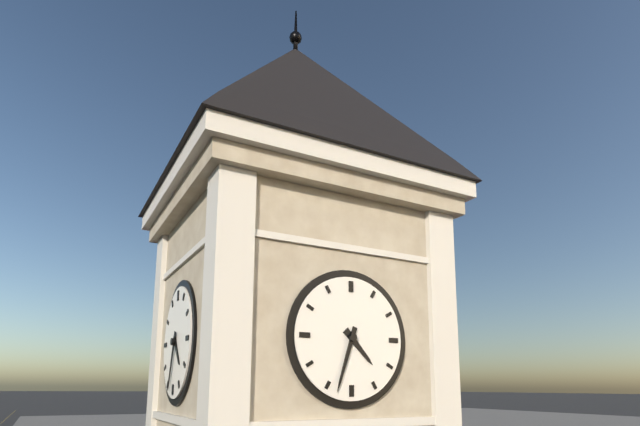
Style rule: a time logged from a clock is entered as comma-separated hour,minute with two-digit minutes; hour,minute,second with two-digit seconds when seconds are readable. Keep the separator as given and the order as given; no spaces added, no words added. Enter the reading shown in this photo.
4,33
